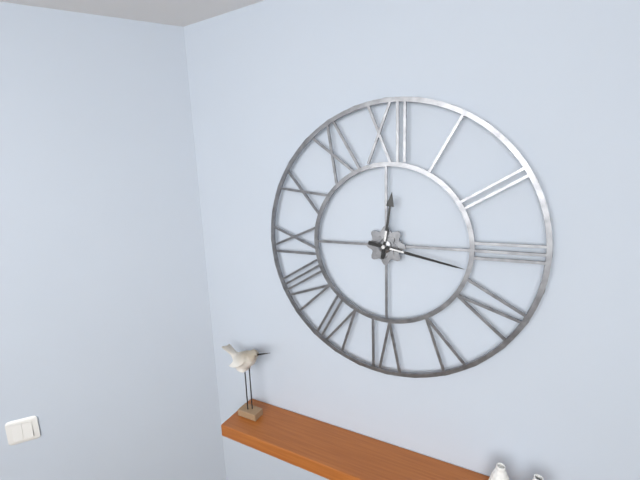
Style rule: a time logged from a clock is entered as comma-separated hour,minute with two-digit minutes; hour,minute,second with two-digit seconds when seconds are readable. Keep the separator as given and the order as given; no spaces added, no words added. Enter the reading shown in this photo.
12,17
